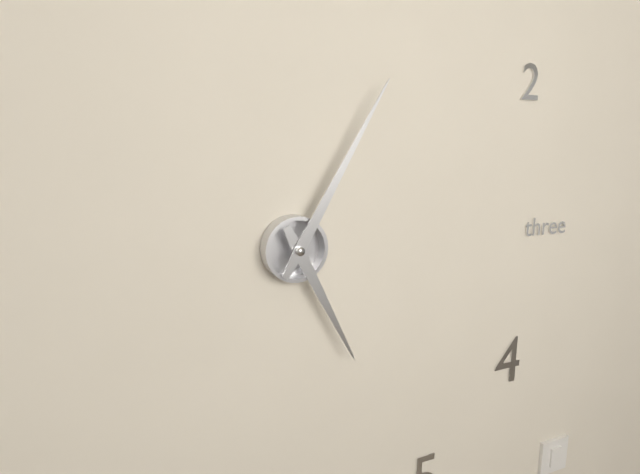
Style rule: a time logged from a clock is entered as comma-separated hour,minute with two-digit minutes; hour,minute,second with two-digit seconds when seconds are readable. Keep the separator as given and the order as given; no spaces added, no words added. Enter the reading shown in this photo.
5,05
